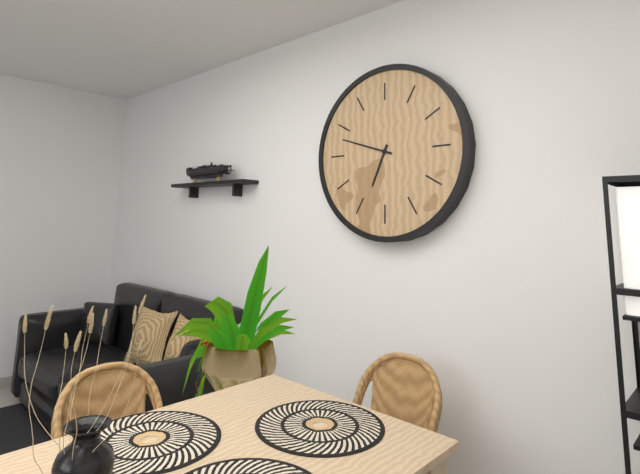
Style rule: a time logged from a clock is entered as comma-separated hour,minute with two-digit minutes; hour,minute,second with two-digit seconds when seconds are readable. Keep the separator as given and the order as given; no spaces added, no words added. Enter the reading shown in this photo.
6,48
